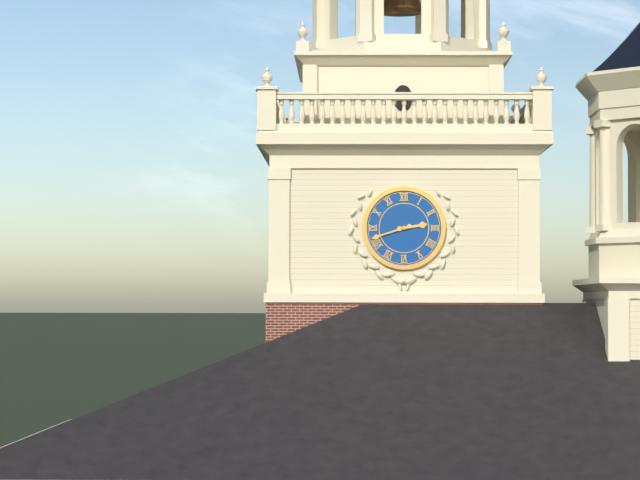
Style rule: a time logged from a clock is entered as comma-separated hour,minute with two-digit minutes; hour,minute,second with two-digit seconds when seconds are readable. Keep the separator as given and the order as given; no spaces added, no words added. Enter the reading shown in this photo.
2,42
